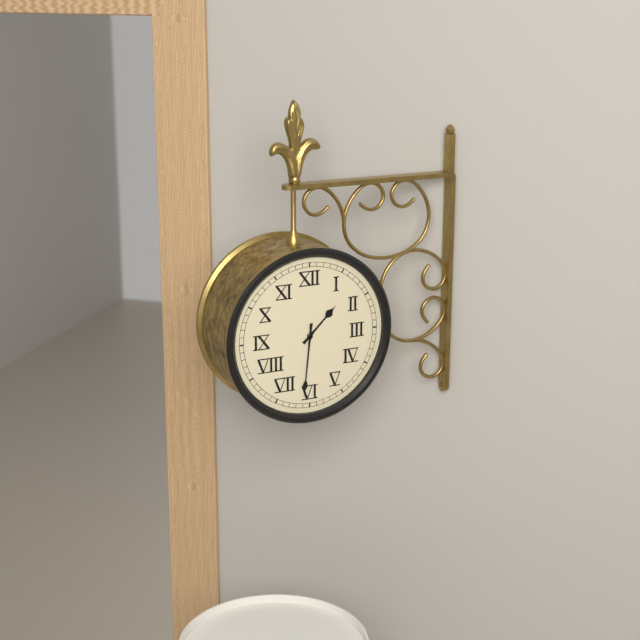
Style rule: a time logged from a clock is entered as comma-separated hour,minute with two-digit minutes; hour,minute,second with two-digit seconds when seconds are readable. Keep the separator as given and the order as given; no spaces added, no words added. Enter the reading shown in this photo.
1,31
